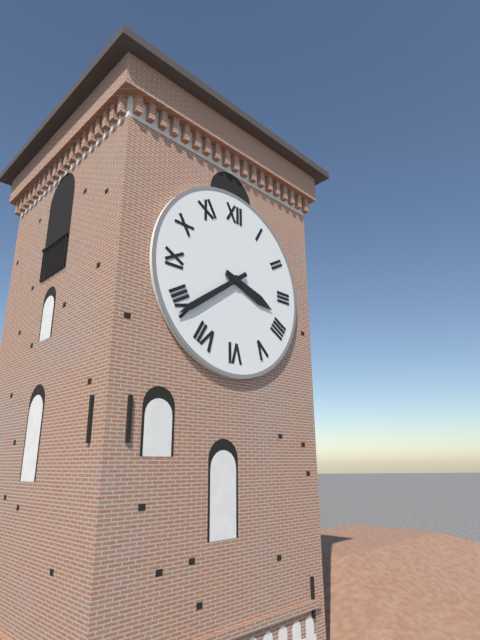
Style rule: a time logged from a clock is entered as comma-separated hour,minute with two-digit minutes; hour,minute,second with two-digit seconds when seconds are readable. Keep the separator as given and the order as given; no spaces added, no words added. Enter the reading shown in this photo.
3,39
